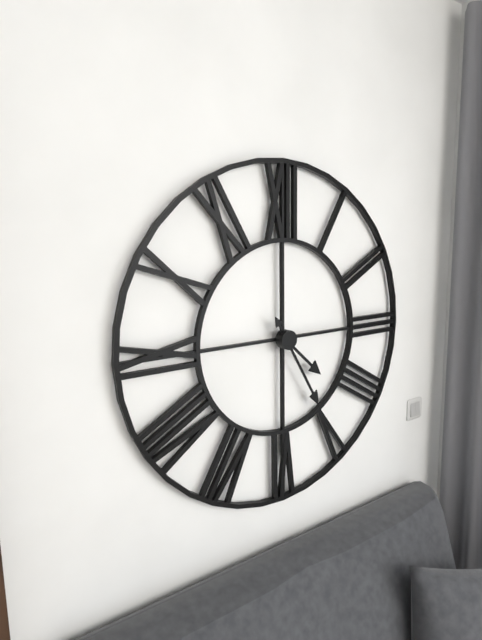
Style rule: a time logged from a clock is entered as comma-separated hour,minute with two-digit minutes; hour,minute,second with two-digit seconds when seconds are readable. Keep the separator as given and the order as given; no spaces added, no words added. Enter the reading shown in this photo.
4,25
